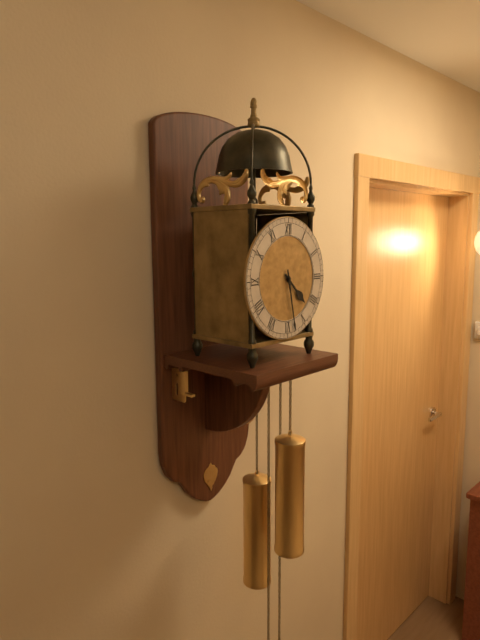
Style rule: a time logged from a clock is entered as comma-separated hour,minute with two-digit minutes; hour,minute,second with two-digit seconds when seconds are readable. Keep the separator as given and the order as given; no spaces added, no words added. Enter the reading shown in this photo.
4,28
